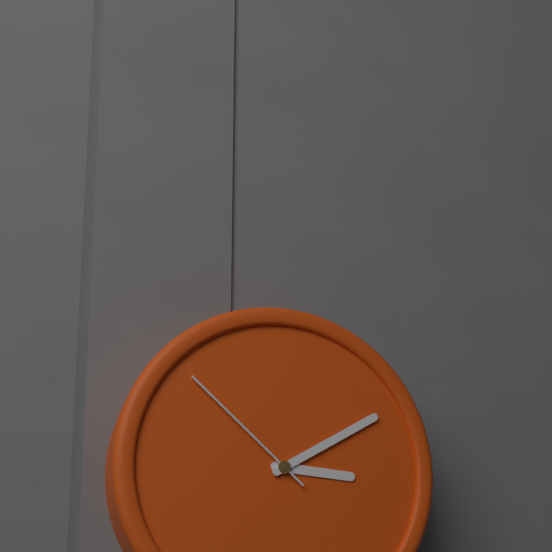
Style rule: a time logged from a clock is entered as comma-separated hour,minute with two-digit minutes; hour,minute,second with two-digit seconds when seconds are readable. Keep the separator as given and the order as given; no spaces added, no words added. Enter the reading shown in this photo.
3,10,52
